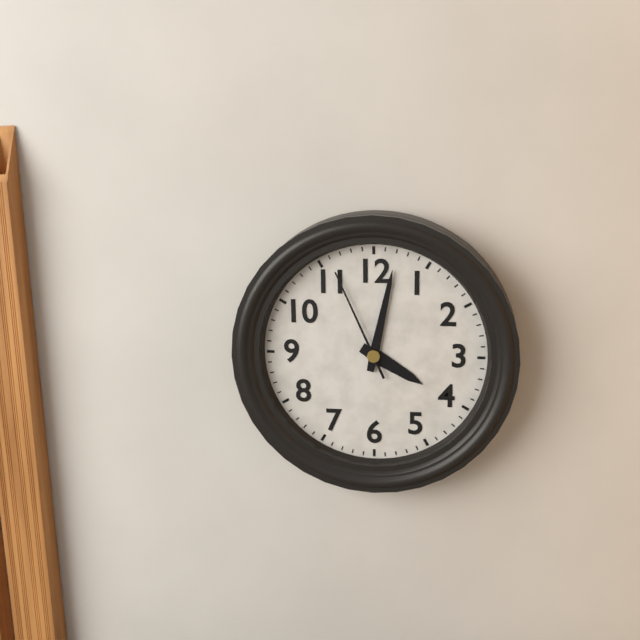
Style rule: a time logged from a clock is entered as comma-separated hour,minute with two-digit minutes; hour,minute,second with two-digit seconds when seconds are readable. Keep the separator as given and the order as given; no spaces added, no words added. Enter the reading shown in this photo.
4,02,56
